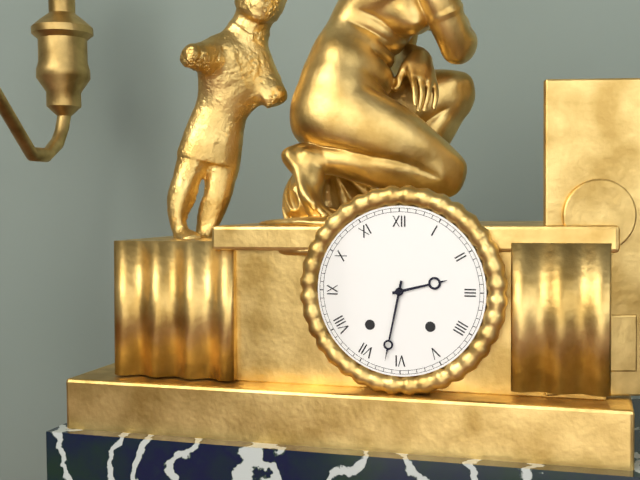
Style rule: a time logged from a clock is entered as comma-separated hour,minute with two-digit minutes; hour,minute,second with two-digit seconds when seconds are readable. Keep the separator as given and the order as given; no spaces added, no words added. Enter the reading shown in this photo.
2,32
